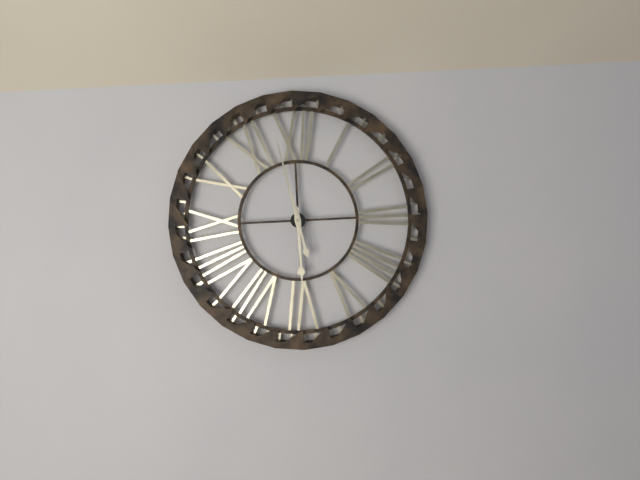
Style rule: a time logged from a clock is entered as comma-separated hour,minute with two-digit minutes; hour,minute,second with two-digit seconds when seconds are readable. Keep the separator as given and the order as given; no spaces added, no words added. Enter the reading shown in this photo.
5,58
